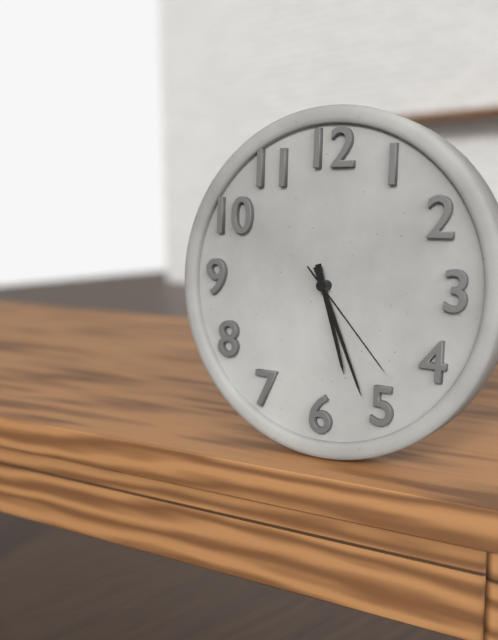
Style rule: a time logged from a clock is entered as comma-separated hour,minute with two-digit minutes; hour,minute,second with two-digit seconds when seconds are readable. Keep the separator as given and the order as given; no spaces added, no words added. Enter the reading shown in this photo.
5,26,23
